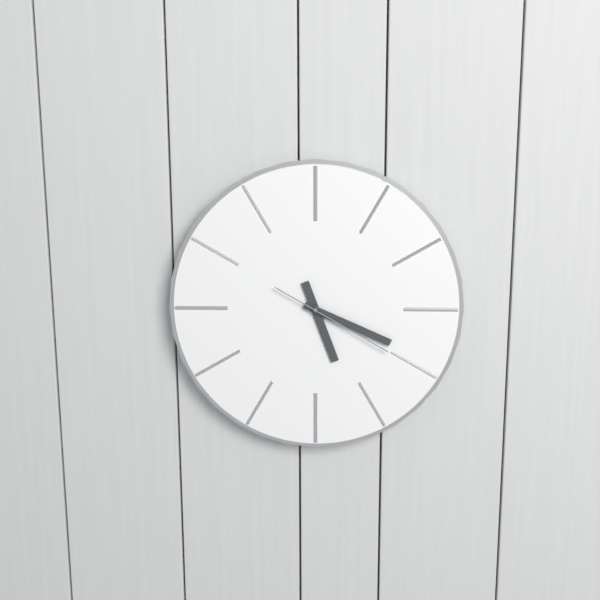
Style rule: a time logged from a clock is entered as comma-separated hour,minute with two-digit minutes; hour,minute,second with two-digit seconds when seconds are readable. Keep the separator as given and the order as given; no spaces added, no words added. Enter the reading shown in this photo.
5,19,20
